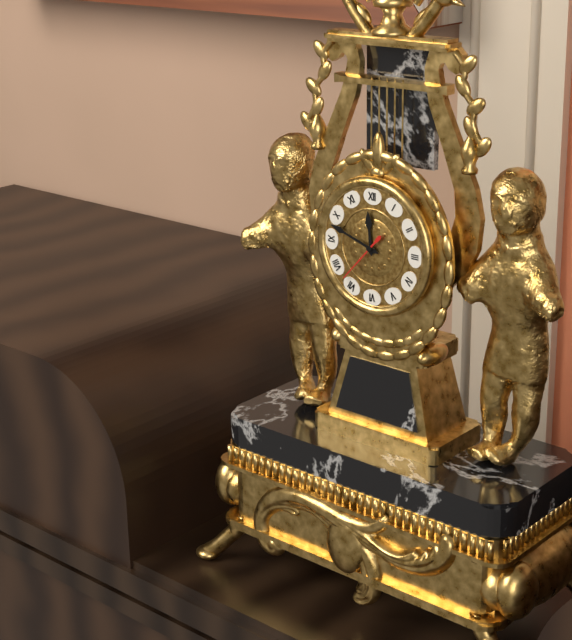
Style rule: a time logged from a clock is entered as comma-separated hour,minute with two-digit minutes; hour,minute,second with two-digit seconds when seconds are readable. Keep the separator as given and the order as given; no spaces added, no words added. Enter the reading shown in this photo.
11,48,37
